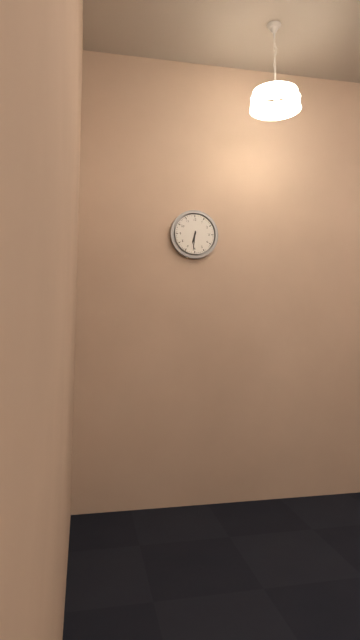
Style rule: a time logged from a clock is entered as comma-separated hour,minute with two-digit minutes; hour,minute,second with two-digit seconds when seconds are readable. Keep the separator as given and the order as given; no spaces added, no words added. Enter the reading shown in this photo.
6,31
